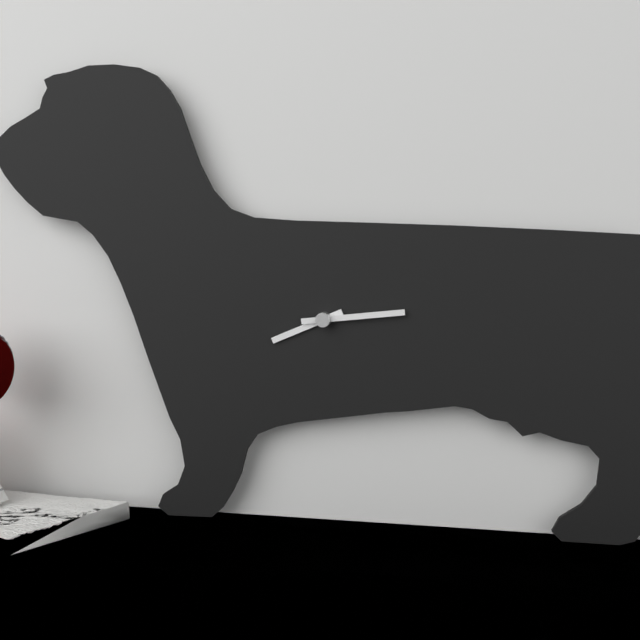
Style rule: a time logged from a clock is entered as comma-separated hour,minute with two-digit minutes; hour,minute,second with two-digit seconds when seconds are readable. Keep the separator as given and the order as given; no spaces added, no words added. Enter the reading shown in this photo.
8,14
